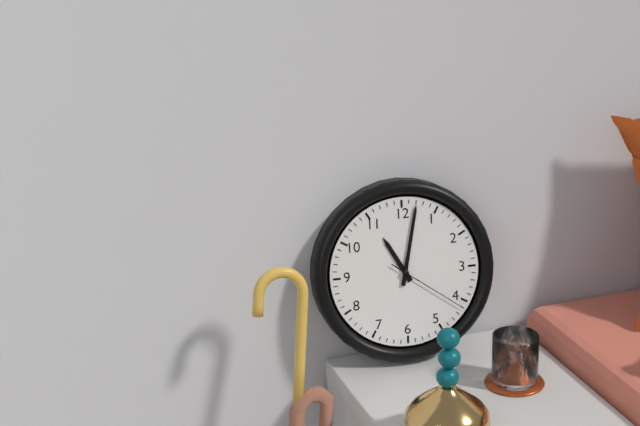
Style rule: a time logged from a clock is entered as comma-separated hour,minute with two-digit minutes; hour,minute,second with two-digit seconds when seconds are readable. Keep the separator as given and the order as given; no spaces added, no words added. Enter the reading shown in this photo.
11,02,21
